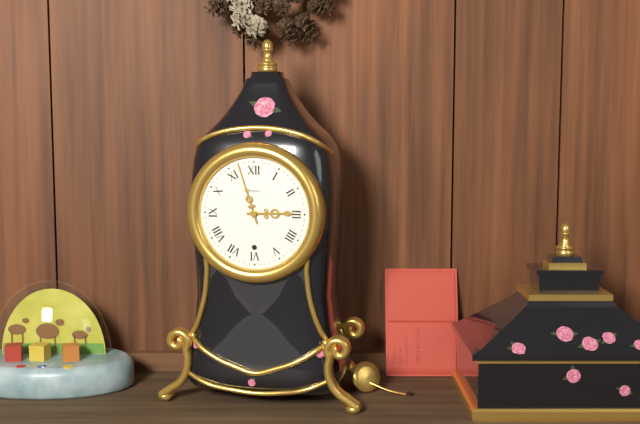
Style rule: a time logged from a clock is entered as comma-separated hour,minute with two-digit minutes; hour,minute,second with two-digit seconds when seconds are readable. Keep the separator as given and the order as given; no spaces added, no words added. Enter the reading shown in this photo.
2,57
